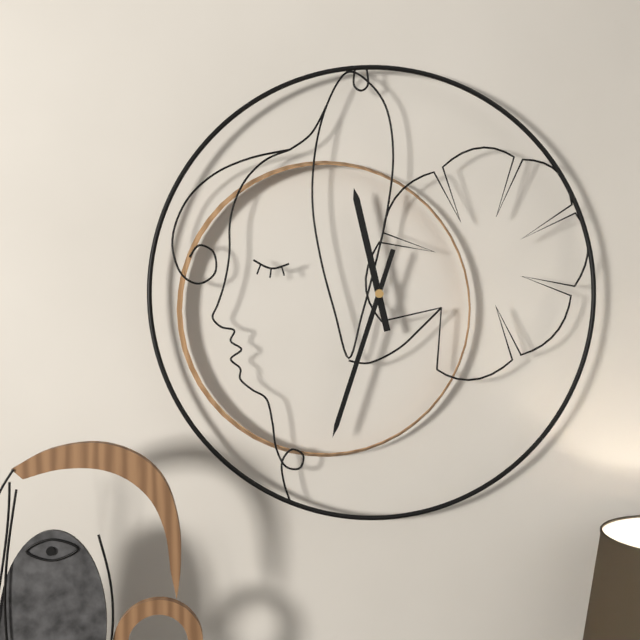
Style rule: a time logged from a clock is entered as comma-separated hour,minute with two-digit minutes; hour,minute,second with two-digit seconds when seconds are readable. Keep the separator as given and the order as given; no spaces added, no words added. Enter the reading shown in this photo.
11,33
